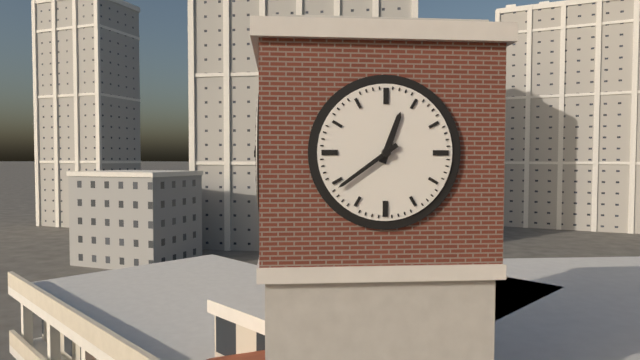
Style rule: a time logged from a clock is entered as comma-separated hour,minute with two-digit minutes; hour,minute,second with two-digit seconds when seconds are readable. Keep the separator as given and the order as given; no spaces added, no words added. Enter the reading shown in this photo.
12,39
